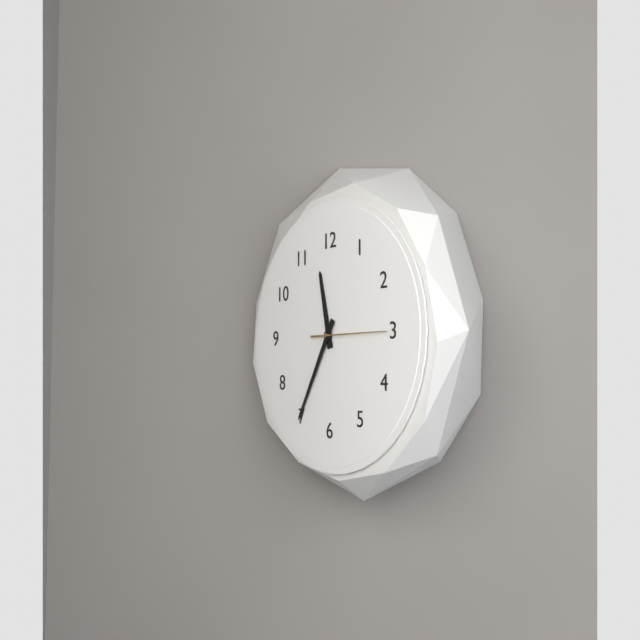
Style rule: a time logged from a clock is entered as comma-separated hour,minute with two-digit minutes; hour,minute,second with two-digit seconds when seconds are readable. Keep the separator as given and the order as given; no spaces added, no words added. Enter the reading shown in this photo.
11,35,15
